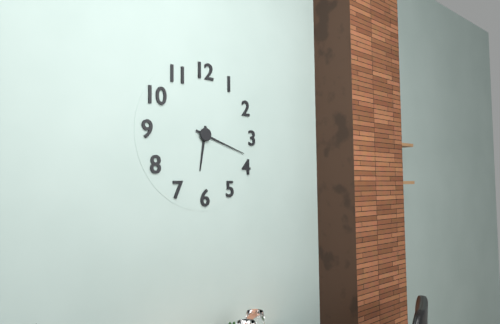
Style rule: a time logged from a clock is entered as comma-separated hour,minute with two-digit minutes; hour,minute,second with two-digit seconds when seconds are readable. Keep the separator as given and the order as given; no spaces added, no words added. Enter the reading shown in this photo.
6,18
